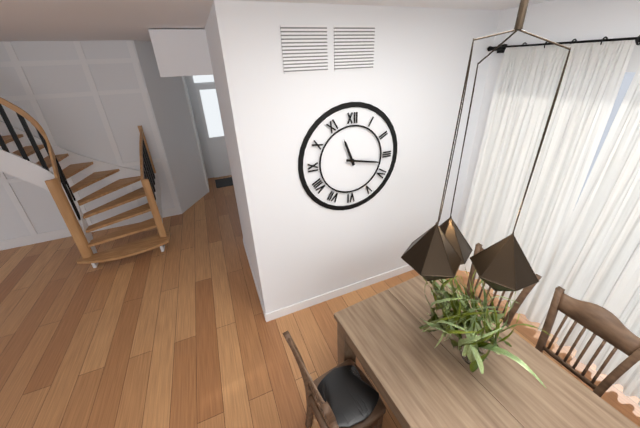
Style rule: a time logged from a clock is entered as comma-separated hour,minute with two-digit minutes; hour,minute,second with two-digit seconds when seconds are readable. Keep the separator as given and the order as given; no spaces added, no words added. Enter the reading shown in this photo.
11,17
